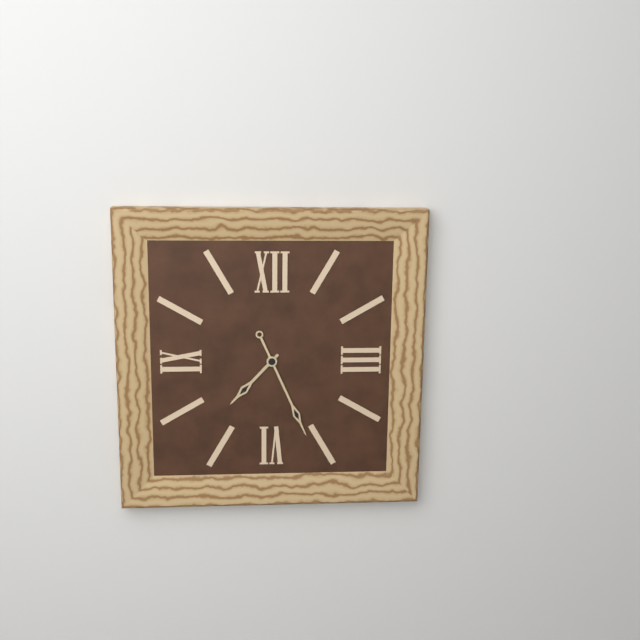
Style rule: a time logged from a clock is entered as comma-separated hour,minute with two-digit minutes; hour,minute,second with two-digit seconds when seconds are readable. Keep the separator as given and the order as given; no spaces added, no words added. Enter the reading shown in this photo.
7,26
